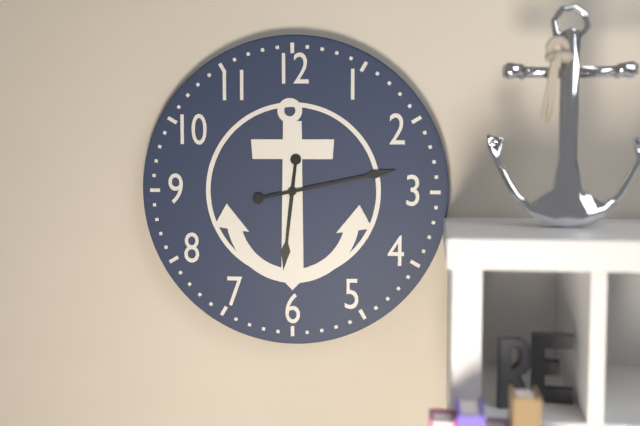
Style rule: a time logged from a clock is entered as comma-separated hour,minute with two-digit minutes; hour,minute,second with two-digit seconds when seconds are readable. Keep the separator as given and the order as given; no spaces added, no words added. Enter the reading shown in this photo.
6,13
